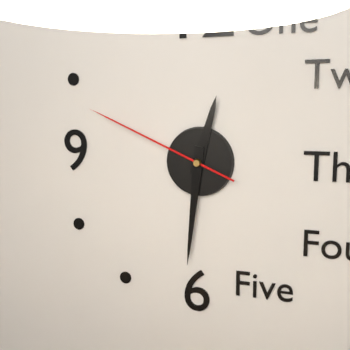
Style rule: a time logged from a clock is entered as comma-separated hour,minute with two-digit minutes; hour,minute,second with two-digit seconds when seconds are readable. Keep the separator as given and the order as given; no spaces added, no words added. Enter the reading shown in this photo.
12,31,49
